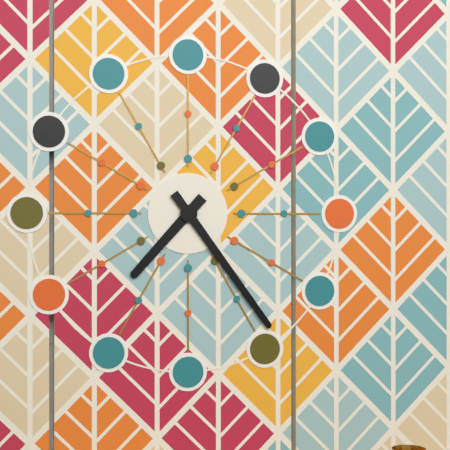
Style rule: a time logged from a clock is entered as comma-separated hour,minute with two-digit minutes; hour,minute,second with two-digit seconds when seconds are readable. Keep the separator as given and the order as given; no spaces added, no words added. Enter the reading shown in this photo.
7,24
